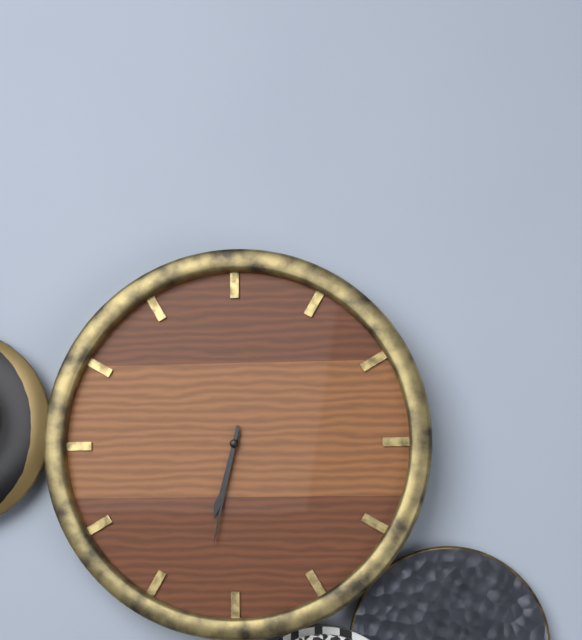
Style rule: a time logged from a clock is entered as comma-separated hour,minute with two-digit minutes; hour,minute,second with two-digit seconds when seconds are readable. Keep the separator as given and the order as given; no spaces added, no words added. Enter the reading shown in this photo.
6,32
